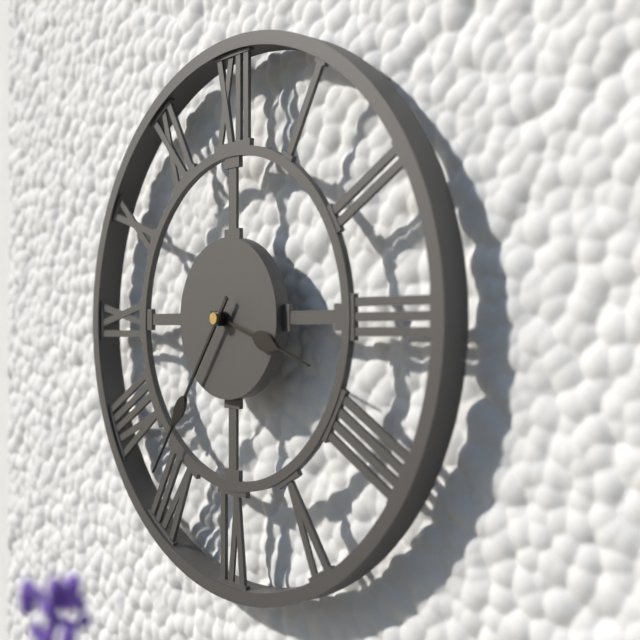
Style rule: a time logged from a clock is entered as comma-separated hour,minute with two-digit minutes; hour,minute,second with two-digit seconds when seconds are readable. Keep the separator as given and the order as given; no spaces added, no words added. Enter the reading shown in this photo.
3,36
